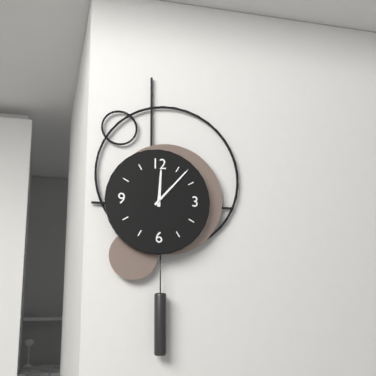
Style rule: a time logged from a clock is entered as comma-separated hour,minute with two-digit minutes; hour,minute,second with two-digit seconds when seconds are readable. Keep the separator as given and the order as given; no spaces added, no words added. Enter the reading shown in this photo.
12,07
